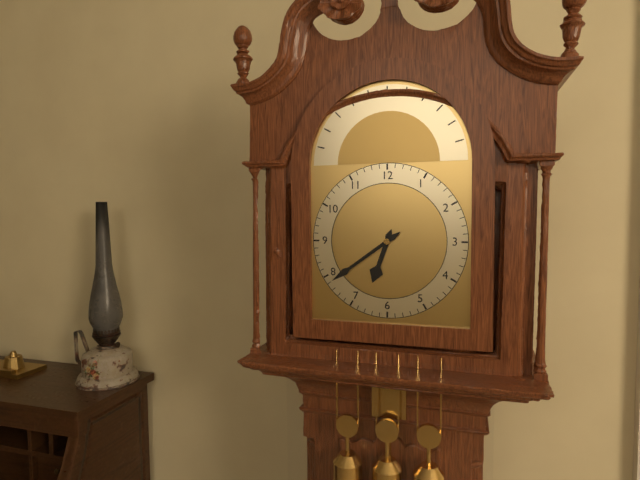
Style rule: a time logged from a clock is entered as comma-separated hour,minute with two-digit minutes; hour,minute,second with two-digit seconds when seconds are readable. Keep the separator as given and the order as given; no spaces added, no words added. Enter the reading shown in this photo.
6,39
